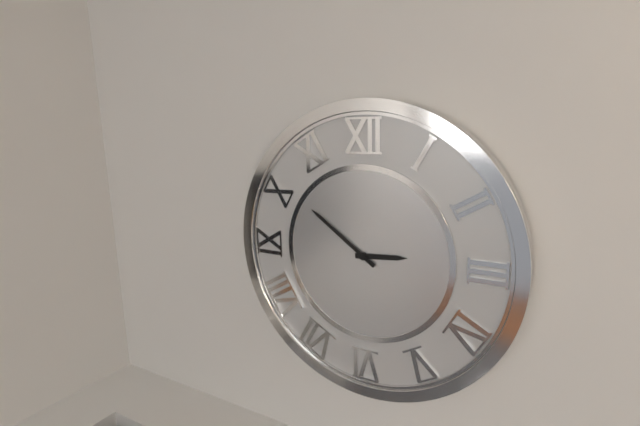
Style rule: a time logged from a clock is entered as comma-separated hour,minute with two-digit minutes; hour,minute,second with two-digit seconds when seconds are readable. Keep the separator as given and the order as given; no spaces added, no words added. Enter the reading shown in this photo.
2,51
